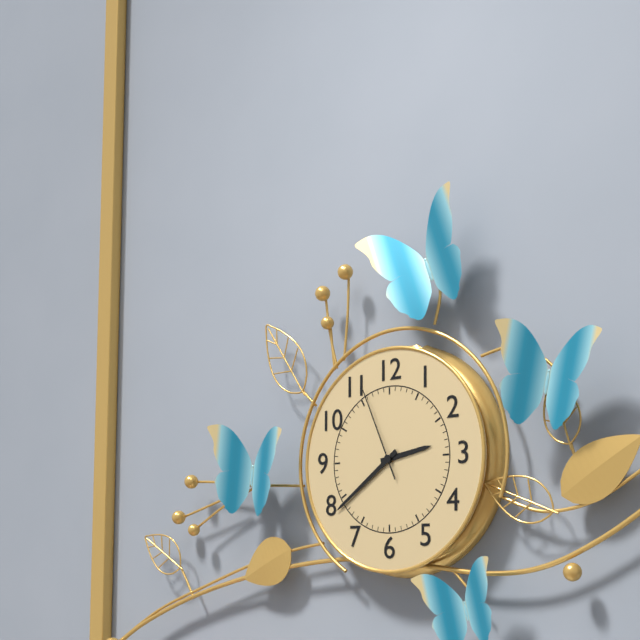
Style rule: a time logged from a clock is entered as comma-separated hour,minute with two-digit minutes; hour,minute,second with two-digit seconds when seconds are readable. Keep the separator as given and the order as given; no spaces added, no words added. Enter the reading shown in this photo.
2,39,56
